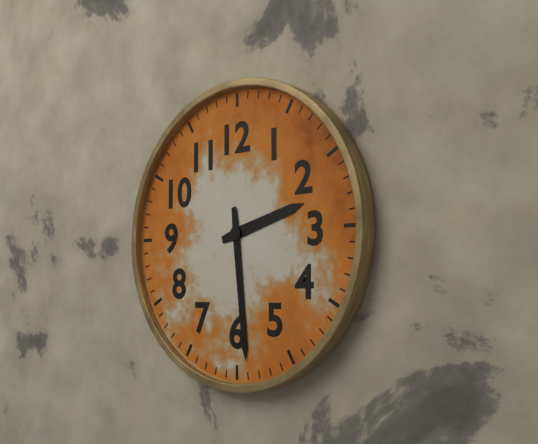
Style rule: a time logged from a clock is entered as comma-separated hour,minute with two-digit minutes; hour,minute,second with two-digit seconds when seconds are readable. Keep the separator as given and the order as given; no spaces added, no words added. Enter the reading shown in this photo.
2,29
